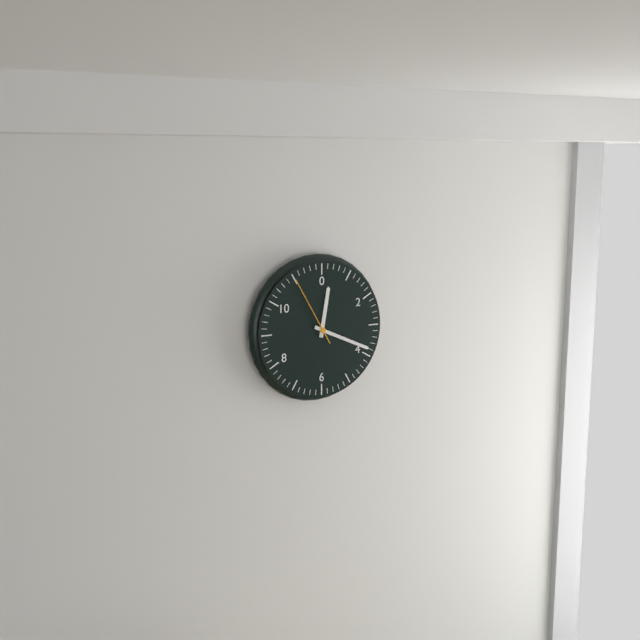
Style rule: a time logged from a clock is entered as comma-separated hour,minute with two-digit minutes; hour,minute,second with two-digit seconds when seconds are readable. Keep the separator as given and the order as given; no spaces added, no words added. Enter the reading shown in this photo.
12,19,55
